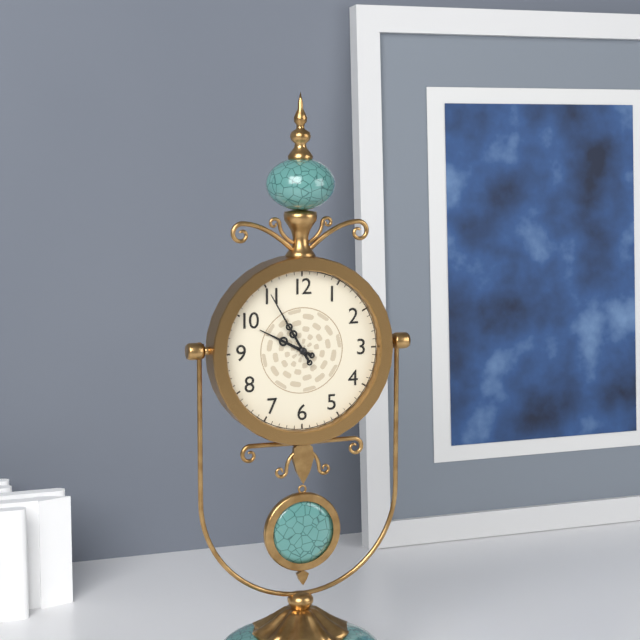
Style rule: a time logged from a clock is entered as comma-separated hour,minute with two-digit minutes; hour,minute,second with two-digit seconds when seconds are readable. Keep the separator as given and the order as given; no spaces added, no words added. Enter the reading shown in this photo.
9,55
